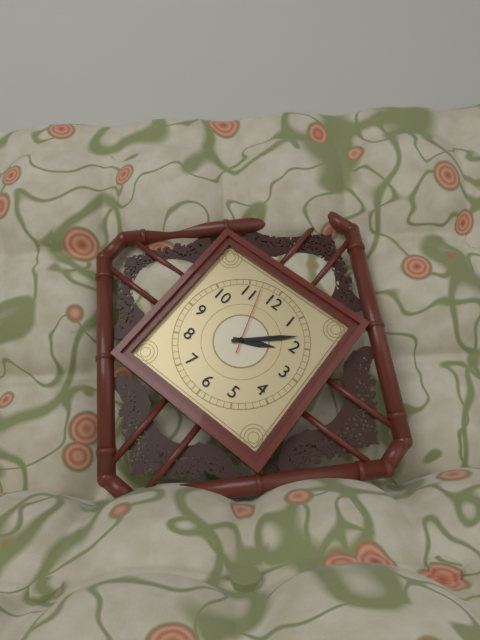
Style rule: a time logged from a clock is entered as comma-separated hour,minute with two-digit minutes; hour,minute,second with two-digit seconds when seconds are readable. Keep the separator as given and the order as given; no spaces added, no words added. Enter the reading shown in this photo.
2,08,57
